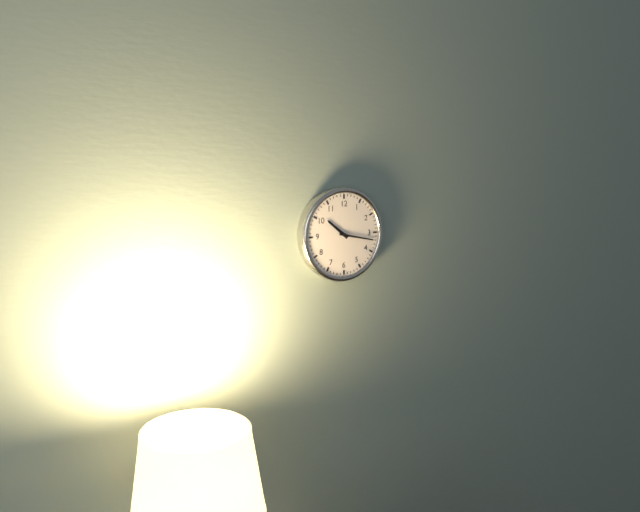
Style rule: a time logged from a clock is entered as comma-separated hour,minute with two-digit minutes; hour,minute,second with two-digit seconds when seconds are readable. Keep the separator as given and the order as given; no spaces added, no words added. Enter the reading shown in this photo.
10,17
